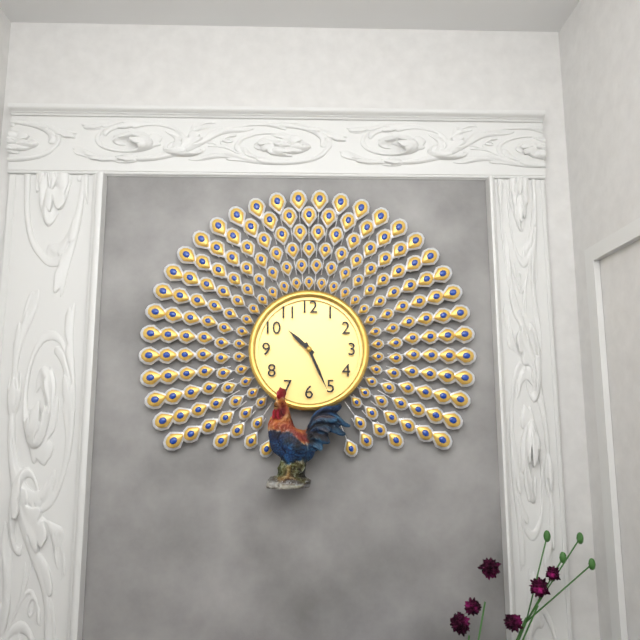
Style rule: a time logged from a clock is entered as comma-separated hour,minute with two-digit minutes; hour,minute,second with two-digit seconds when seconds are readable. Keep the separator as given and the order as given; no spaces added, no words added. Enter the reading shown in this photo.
10,26
